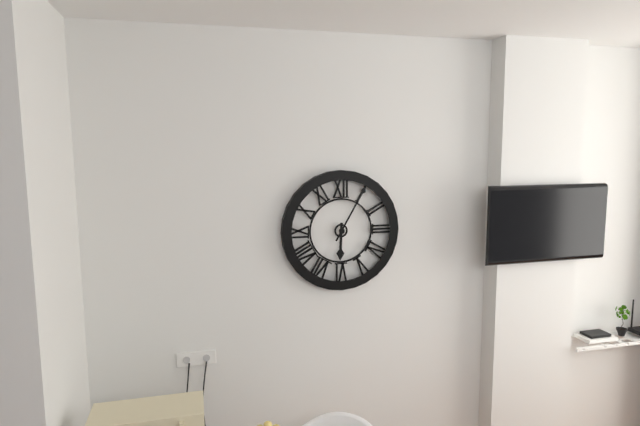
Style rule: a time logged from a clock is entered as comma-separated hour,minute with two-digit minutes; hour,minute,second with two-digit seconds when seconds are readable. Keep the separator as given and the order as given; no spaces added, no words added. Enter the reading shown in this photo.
6,05
